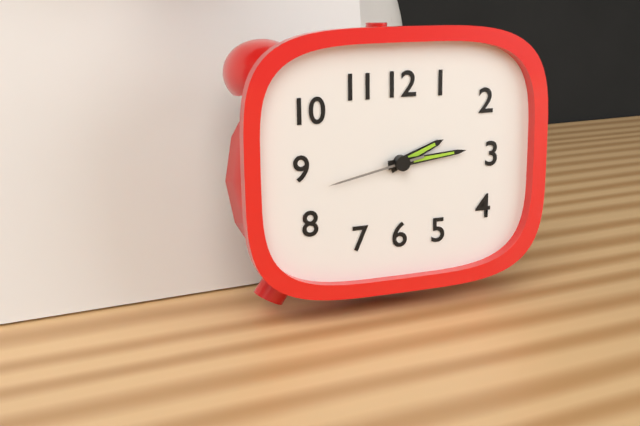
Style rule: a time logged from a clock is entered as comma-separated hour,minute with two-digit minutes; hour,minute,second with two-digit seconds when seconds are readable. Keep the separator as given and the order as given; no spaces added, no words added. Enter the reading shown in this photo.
2,14,43
